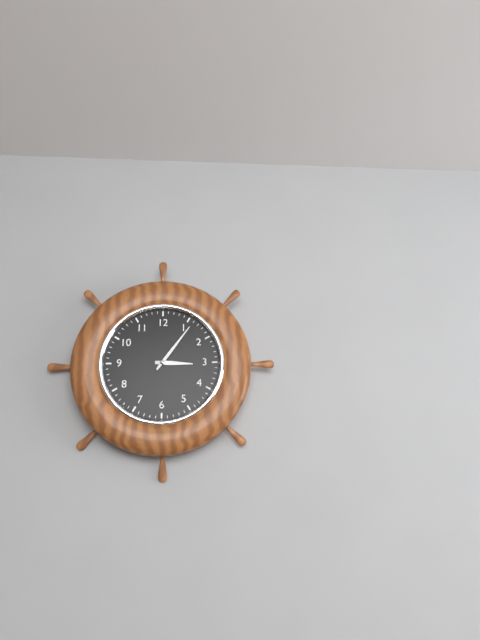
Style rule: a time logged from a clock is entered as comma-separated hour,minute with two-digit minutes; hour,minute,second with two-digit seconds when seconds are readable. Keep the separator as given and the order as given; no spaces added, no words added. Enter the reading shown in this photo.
3,06
